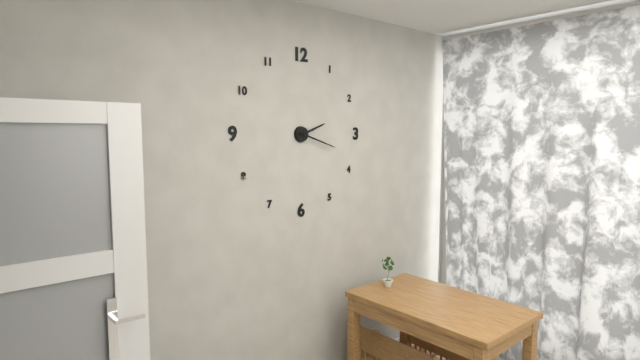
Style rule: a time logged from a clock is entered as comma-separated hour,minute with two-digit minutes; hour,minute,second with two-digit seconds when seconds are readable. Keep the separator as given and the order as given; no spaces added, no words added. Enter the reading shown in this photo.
2,18
